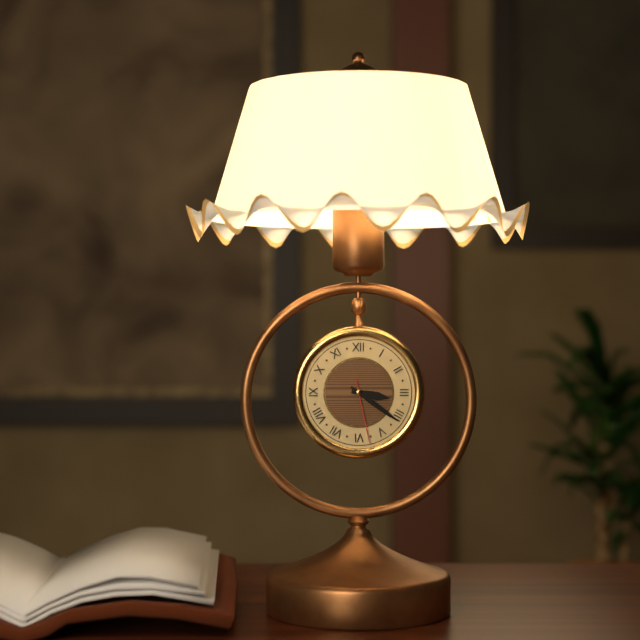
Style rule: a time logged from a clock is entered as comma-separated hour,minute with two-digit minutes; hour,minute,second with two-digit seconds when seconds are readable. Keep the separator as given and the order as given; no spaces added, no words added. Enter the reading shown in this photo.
3,21,28
